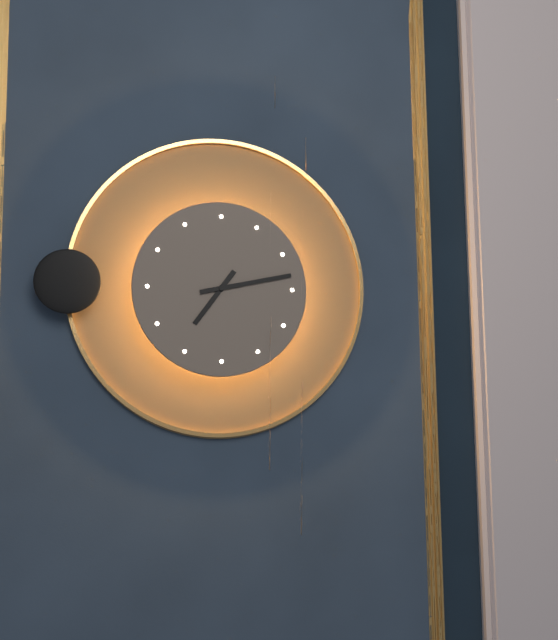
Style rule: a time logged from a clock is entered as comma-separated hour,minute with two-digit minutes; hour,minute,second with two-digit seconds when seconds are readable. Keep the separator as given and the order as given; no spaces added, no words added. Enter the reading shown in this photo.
7,13
